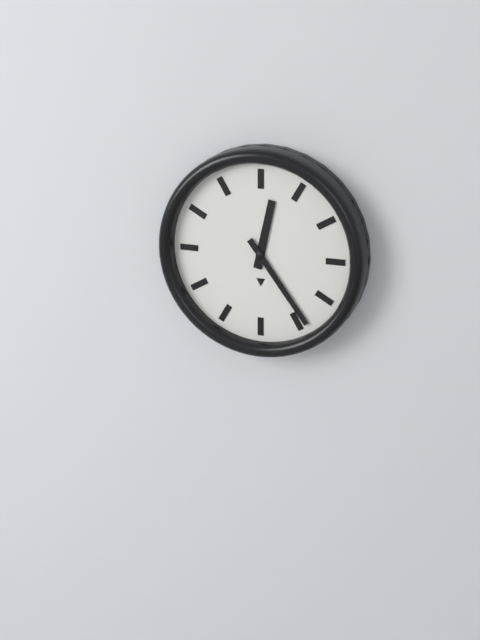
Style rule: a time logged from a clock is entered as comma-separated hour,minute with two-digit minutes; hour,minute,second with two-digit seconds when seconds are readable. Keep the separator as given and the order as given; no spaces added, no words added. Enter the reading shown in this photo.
12,24
